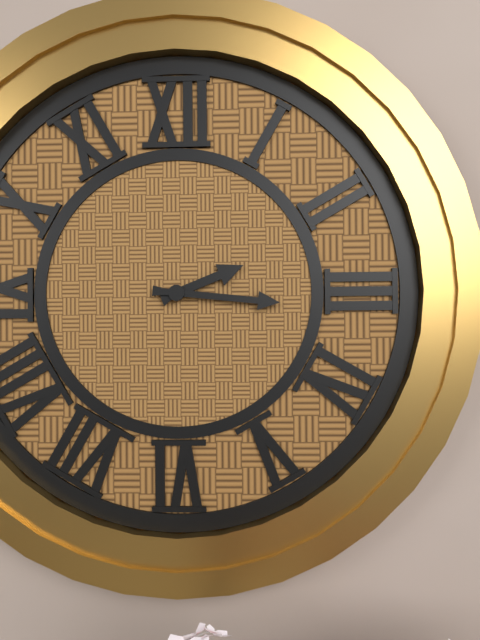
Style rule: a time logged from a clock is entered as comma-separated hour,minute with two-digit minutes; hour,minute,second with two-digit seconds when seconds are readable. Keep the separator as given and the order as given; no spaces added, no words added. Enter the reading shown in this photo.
2,16
